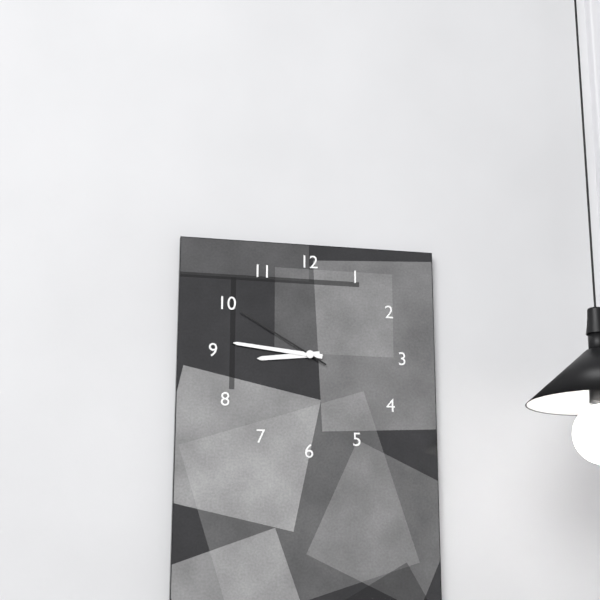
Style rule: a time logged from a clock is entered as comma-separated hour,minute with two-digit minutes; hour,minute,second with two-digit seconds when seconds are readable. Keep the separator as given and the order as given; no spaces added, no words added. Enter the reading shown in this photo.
8,46,50
